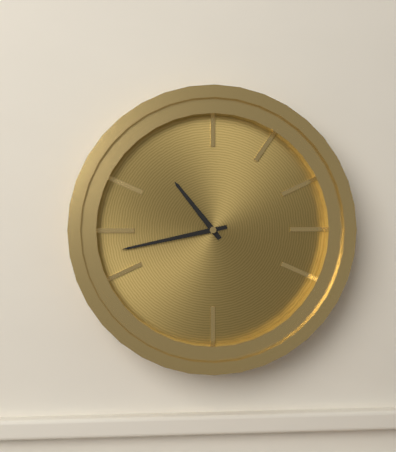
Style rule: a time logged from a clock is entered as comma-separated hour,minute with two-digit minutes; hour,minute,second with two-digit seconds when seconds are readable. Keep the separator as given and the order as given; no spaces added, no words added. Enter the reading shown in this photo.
10,43
